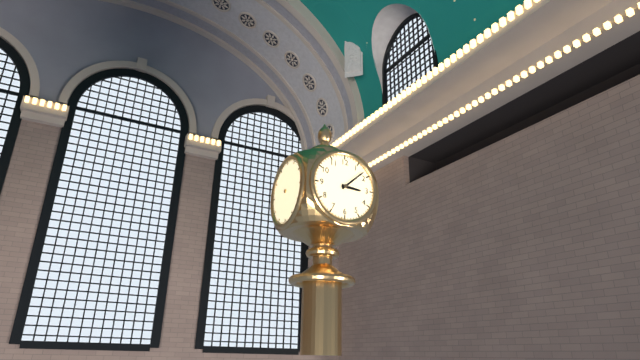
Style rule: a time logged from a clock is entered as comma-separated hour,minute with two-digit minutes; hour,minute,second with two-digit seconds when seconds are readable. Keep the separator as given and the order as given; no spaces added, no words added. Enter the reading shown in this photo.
3,08
